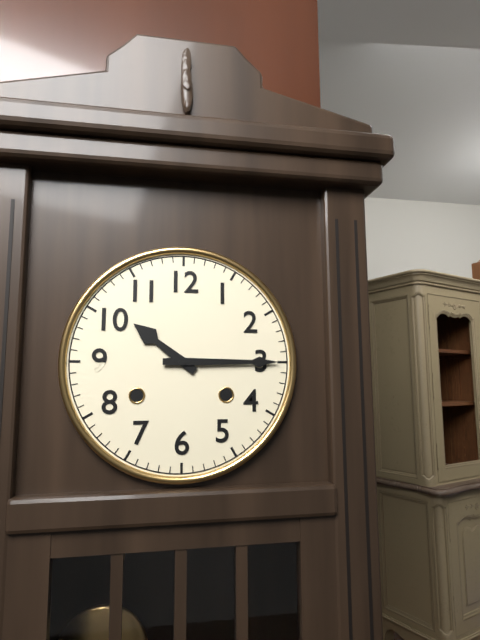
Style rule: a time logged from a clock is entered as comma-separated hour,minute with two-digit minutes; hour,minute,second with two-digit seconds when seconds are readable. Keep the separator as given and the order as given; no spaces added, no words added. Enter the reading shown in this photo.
10,15
